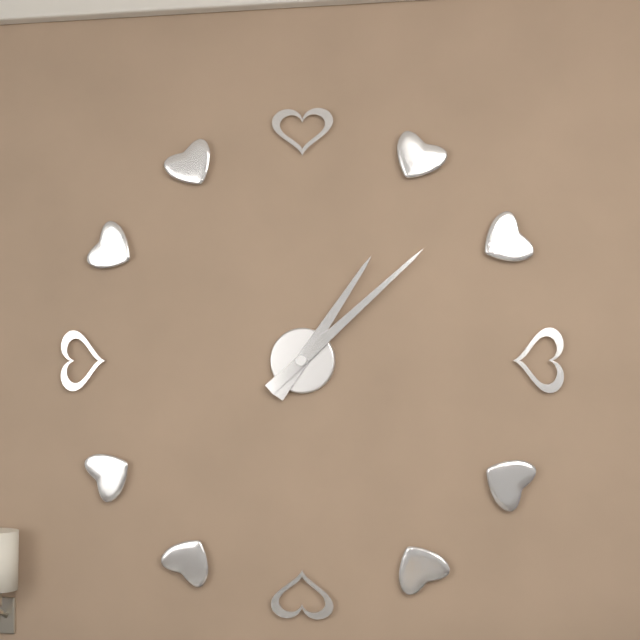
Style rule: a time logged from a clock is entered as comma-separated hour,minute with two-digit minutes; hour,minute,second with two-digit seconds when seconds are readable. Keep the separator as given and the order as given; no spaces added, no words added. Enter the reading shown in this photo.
1,08
